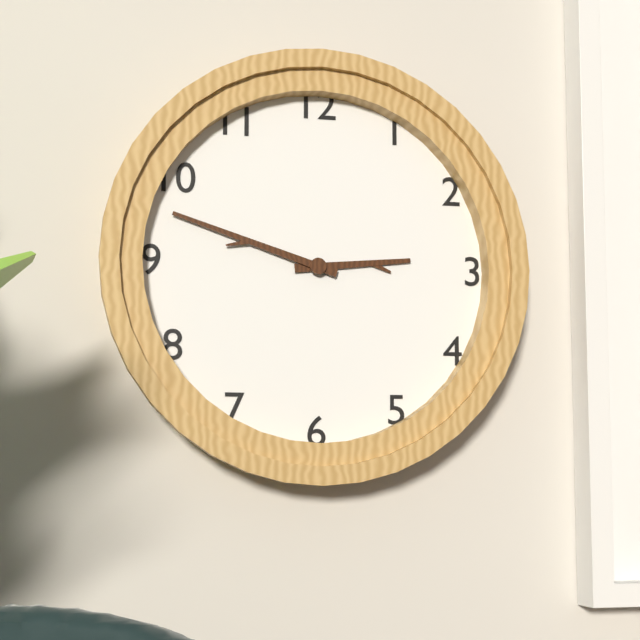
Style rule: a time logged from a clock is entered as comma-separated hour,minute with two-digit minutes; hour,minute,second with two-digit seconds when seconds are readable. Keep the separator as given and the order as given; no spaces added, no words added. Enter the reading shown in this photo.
2,48
